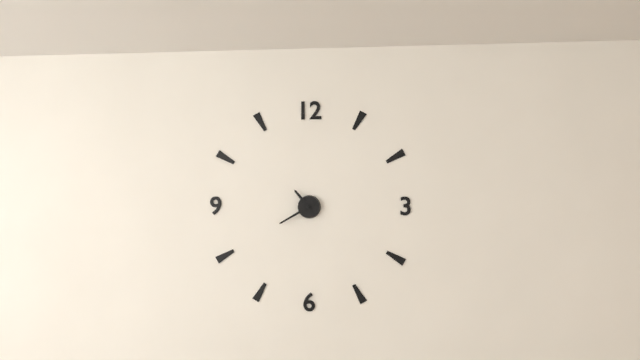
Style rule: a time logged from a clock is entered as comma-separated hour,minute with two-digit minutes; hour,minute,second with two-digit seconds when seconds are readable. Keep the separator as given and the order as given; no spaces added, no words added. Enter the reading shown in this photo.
10,40
